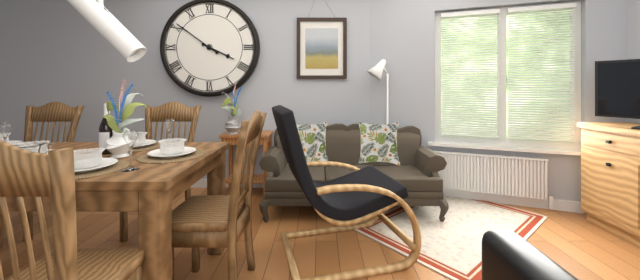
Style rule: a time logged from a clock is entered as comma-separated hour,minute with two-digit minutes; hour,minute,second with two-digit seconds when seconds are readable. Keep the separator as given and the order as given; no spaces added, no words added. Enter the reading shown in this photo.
3,51
